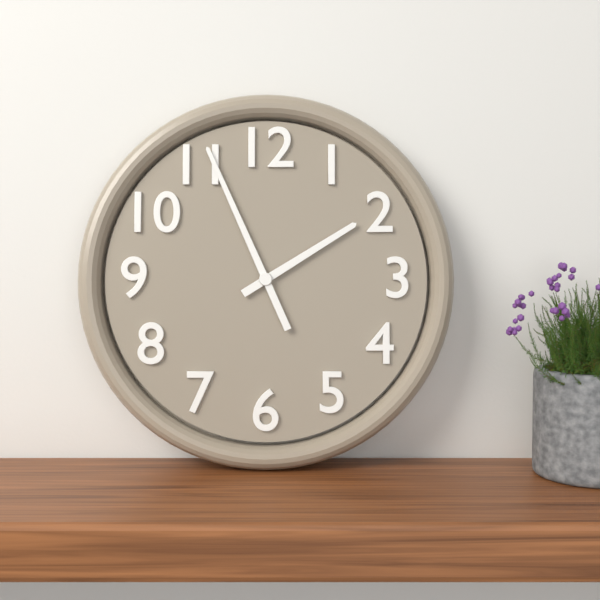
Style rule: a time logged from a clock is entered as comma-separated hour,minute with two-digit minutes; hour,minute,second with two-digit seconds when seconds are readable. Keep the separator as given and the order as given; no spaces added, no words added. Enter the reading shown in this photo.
1,56
